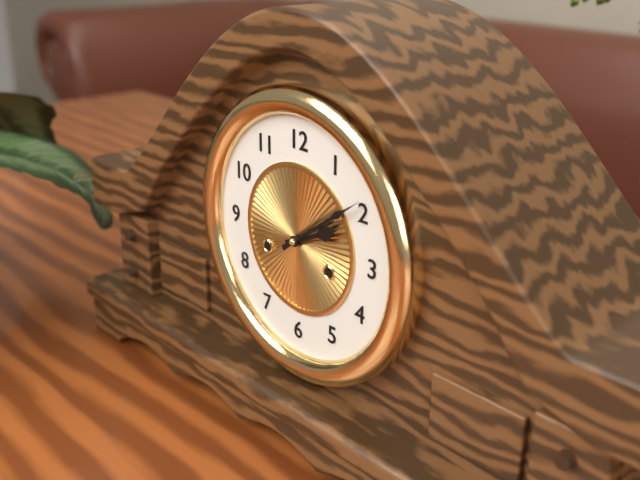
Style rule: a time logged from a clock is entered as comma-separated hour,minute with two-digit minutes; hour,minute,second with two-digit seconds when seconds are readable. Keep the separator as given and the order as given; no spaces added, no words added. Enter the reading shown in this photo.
2,09
